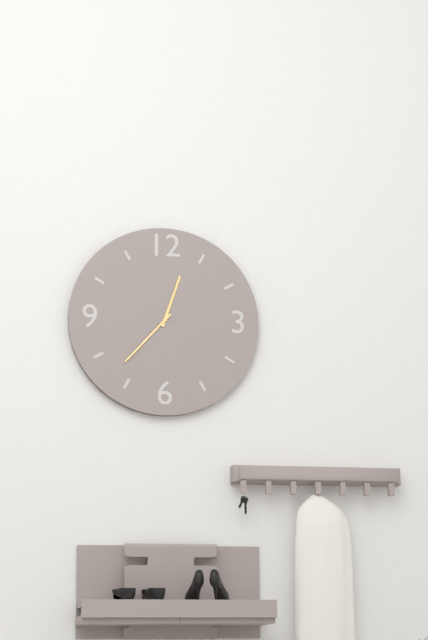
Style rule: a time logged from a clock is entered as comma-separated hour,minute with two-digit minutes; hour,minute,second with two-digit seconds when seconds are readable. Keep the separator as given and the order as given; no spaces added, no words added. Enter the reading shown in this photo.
12,37
